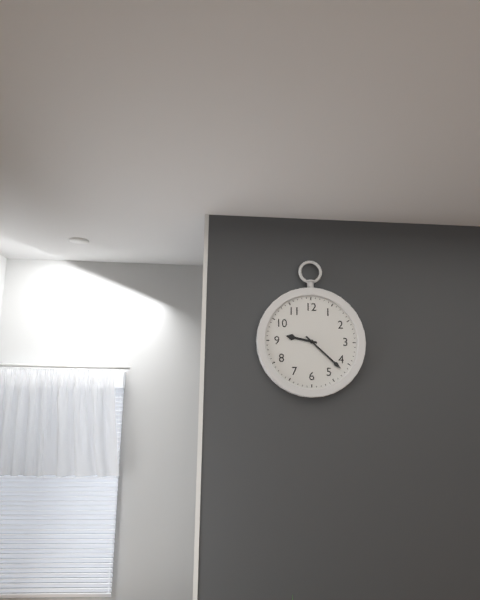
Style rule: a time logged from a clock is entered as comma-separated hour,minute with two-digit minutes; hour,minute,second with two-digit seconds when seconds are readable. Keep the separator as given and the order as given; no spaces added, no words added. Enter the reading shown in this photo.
9,22
